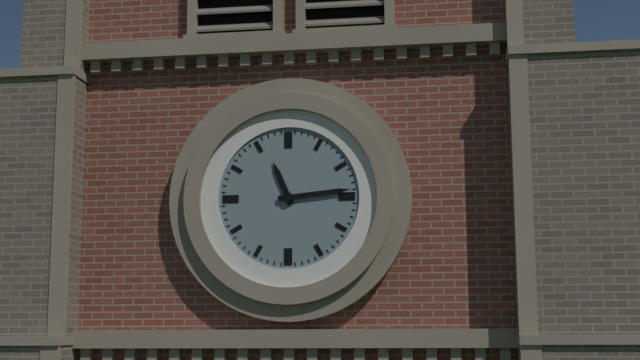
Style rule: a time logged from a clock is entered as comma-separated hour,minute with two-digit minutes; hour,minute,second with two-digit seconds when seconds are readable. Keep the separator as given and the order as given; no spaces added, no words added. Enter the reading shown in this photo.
11,14
